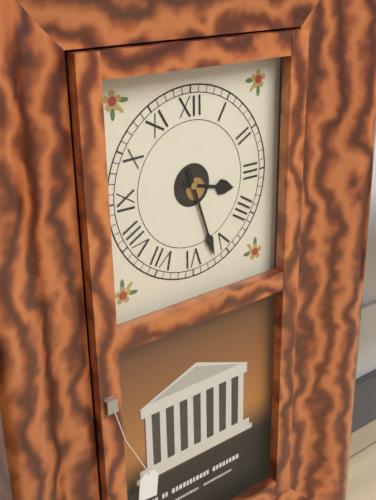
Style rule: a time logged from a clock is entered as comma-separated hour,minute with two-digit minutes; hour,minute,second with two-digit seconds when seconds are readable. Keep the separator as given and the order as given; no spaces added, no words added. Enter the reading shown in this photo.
3,27
